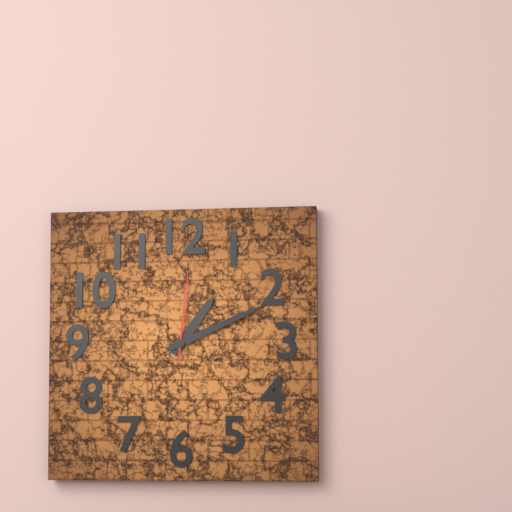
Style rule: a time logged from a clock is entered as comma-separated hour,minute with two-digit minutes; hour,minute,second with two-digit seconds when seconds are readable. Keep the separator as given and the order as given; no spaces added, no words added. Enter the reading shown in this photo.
1,11,01
